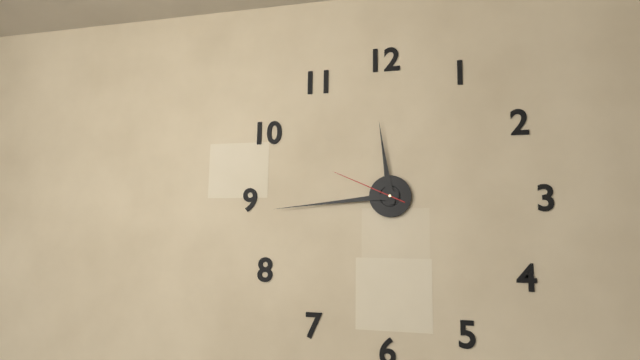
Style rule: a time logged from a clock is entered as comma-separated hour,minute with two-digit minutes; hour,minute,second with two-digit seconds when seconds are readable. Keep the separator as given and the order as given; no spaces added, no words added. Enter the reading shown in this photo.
11,44,49
